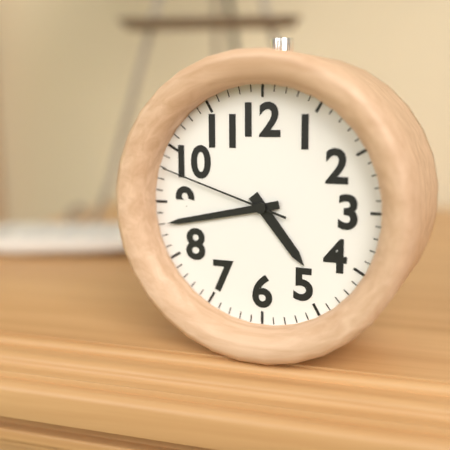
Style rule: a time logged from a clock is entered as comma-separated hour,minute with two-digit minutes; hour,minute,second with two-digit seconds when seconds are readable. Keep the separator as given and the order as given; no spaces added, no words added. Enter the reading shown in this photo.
4,43,48
